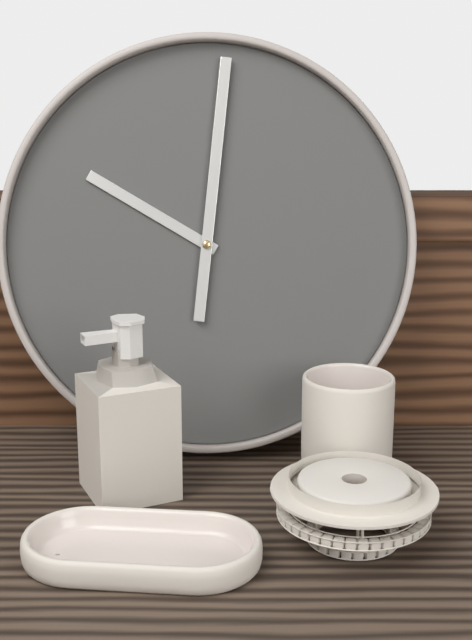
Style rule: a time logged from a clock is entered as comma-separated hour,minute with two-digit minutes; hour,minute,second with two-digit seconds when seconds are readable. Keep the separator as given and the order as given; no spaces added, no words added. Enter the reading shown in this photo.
10,01
